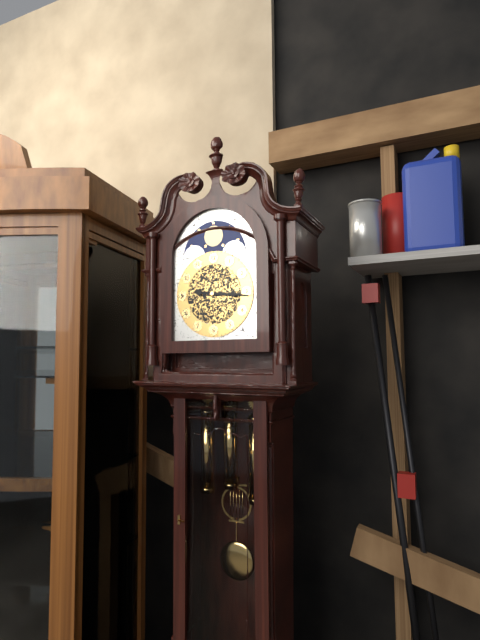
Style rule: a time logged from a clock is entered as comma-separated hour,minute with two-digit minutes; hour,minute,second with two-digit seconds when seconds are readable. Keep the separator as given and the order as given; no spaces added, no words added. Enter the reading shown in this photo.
9,16
